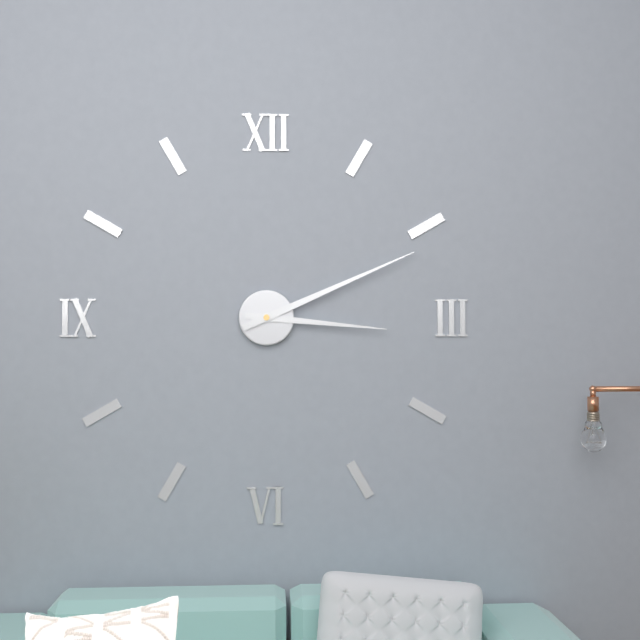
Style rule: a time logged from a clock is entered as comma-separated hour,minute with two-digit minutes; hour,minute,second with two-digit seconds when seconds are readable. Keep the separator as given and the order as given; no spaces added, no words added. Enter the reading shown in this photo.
3,11
